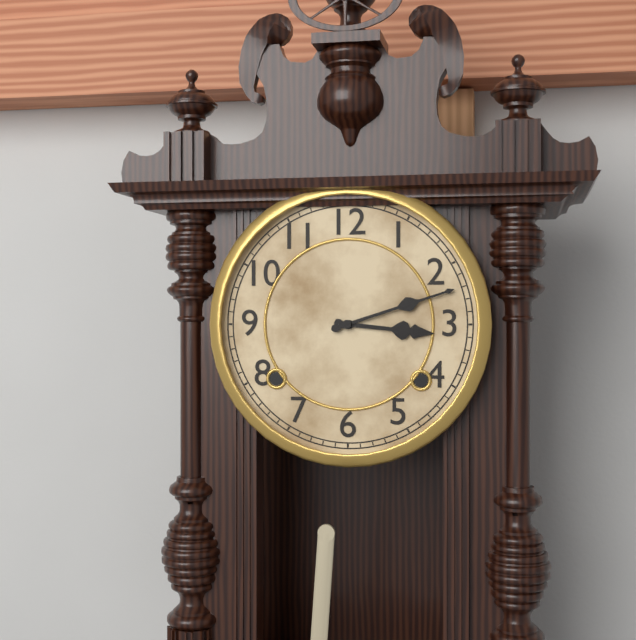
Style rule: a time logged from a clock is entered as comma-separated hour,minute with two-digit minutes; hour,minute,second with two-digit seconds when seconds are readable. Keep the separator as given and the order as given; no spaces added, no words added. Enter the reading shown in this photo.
3,12
